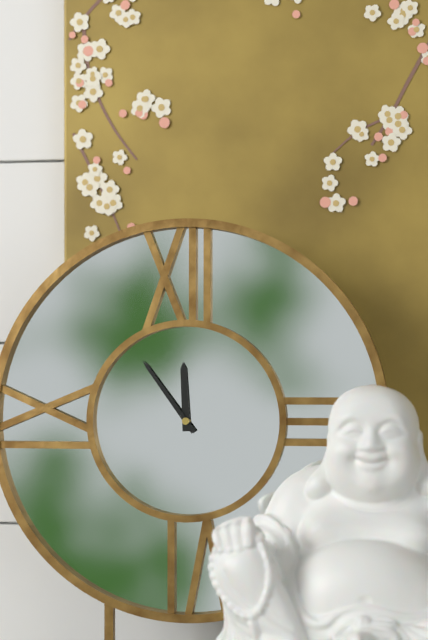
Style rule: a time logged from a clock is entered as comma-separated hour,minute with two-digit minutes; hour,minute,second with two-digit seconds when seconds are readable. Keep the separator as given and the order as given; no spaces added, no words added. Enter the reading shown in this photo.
11,54
